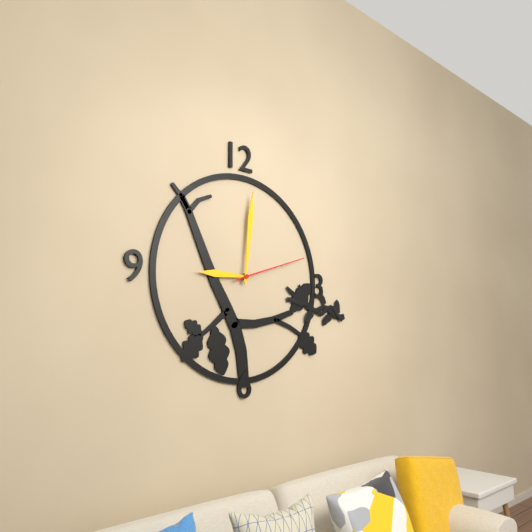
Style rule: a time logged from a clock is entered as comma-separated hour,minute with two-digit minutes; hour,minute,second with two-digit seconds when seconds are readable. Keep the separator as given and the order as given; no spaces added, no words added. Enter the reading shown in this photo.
9,01,12
